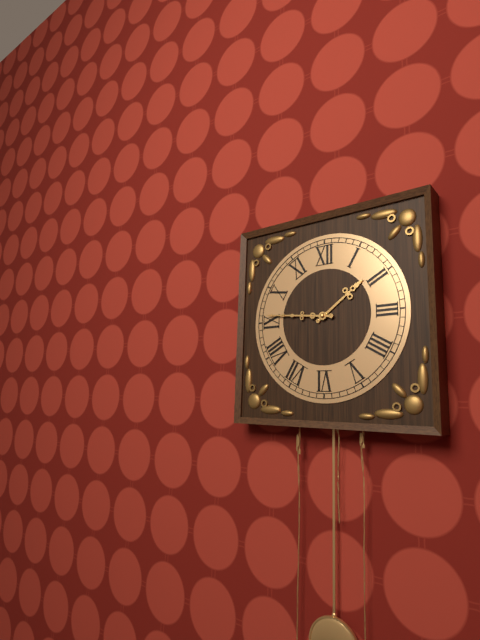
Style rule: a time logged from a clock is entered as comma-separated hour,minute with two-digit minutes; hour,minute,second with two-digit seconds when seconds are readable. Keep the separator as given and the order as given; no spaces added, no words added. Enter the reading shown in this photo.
1,46
